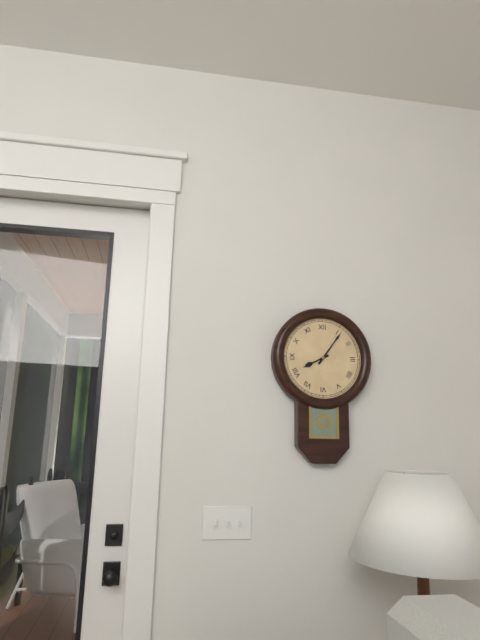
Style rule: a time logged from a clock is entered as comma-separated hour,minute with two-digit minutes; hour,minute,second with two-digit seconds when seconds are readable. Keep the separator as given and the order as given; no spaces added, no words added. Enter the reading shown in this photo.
8,06
